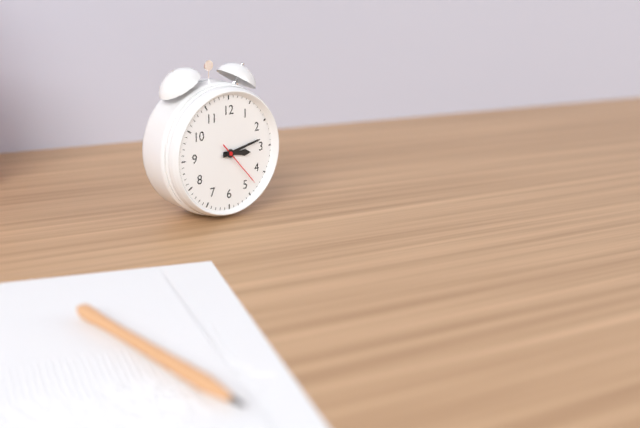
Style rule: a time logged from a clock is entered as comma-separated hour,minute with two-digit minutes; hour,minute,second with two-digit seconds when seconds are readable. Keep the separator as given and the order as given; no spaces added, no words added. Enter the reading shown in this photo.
3,13
